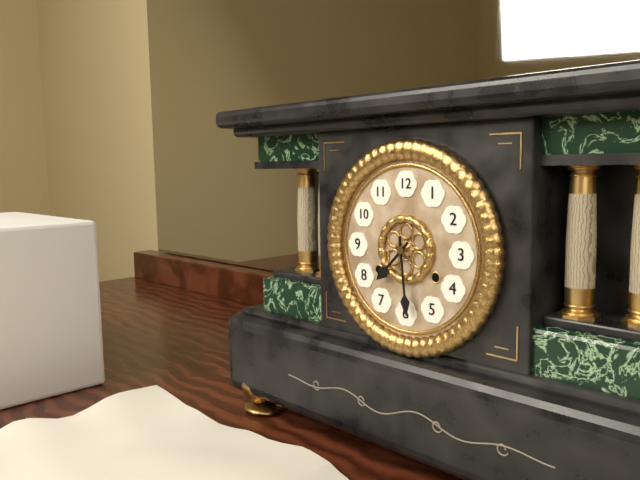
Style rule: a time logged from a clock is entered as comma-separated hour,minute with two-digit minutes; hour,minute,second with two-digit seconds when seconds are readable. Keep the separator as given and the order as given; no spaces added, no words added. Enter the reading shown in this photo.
7,29
